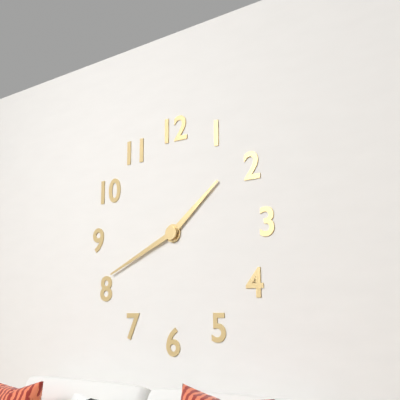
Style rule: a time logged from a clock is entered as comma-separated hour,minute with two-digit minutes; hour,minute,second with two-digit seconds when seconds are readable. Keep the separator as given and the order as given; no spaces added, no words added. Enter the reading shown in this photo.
1,41
